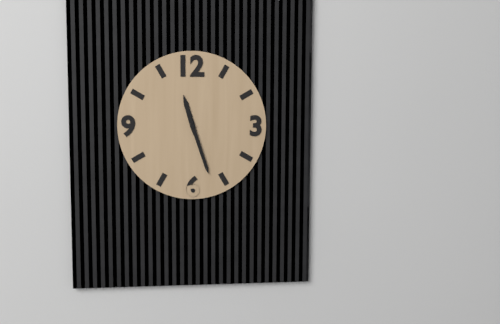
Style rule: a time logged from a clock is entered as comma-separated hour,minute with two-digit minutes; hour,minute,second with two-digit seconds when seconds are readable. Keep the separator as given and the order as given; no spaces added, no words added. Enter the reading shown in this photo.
11,27
